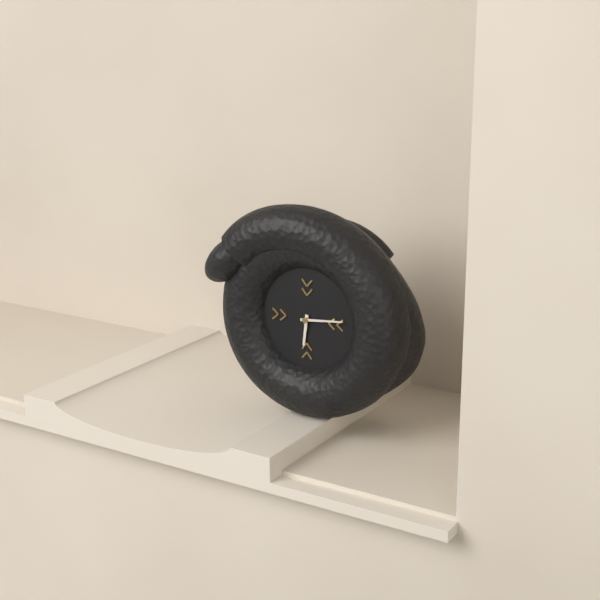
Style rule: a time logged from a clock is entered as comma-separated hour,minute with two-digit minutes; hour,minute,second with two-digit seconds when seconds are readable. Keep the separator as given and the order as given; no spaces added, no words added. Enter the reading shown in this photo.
6,14
